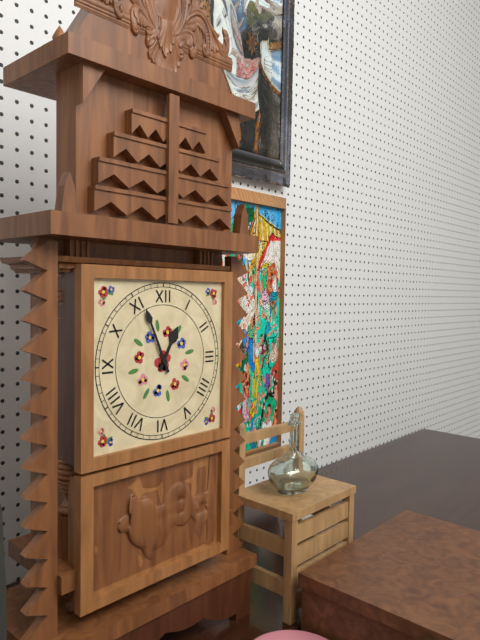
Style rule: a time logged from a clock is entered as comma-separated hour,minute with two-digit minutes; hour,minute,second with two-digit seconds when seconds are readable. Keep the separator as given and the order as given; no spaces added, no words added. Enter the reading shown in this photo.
12,56
